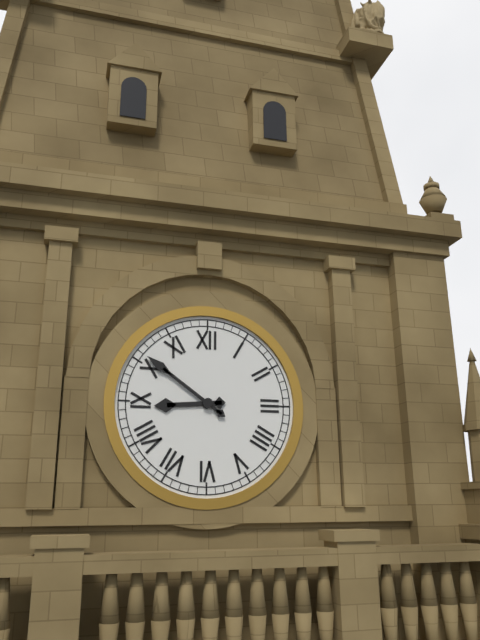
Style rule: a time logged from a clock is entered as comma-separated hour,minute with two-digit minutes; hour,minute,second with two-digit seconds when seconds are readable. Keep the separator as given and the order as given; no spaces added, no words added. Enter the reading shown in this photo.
8,51
